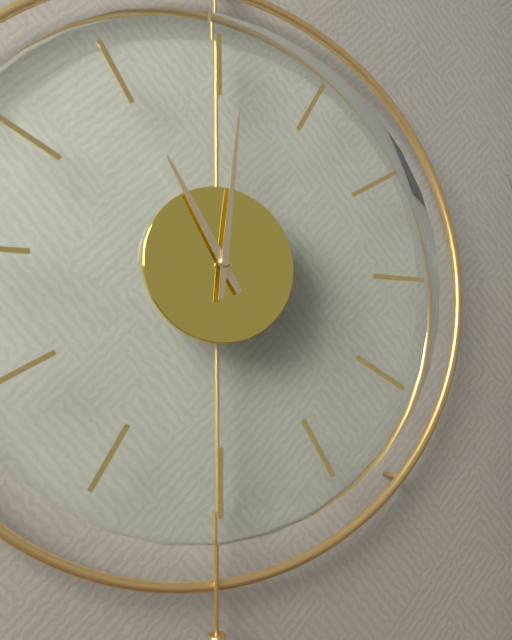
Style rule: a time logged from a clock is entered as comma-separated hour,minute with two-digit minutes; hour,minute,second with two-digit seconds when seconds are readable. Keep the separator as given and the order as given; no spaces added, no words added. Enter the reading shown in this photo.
11,01
